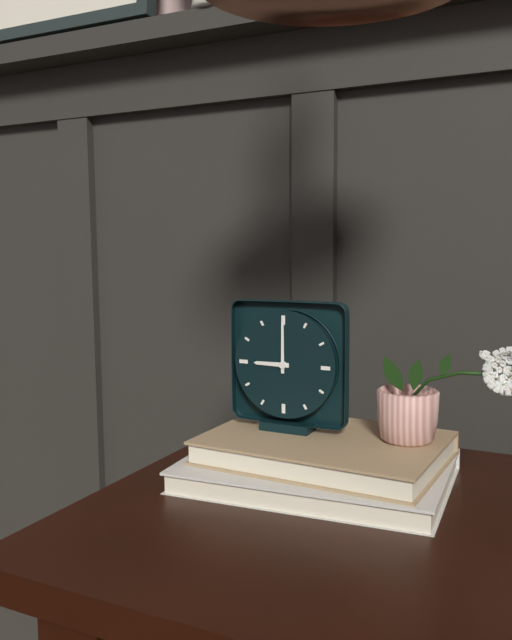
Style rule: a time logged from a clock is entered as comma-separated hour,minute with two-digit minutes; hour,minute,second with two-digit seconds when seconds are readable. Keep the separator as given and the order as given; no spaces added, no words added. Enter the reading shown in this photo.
9,00
